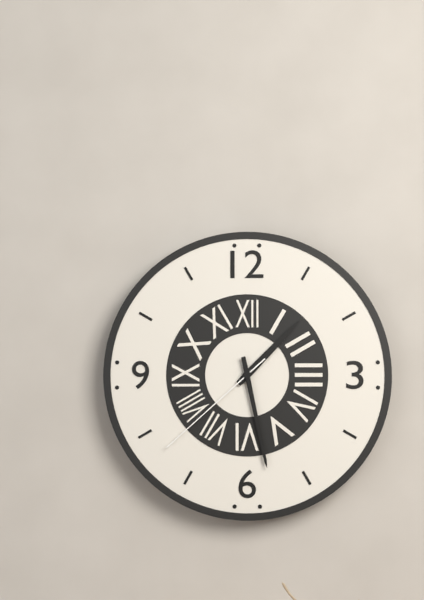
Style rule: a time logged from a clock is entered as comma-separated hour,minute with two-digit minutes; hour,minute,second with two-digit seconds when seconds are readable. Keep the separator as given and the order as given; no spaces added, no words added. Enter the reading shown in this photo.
1,28,38
